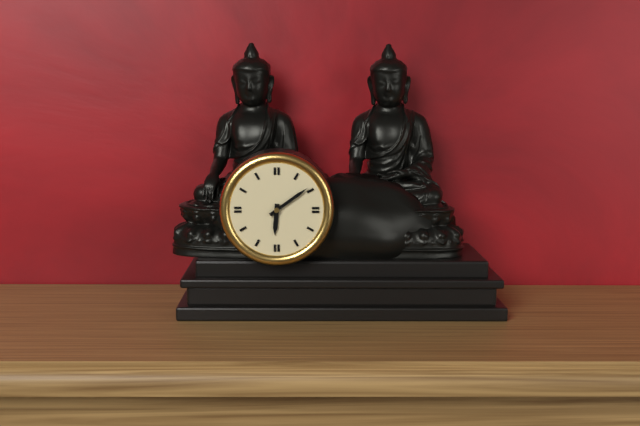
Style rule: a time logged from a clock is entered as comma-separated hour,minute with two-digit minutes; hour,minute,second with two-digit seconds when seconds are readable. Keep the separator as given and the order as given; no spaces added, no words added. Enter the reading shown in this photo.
6,09
